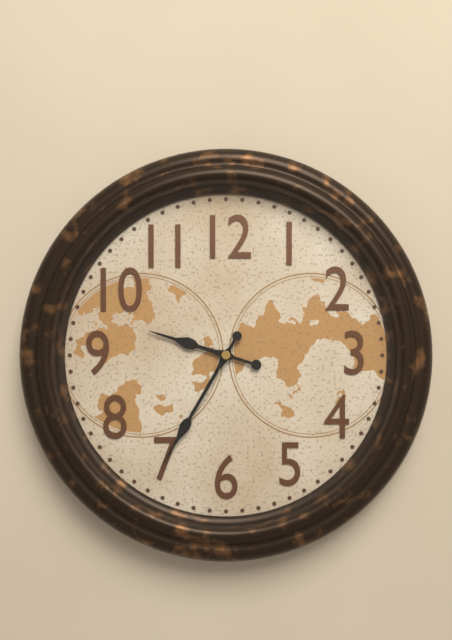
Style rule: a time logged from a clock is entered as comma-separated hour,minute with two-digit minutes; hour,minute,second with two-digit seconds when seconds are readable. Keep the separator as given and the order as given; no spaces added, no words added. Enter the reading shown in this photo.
9,35
